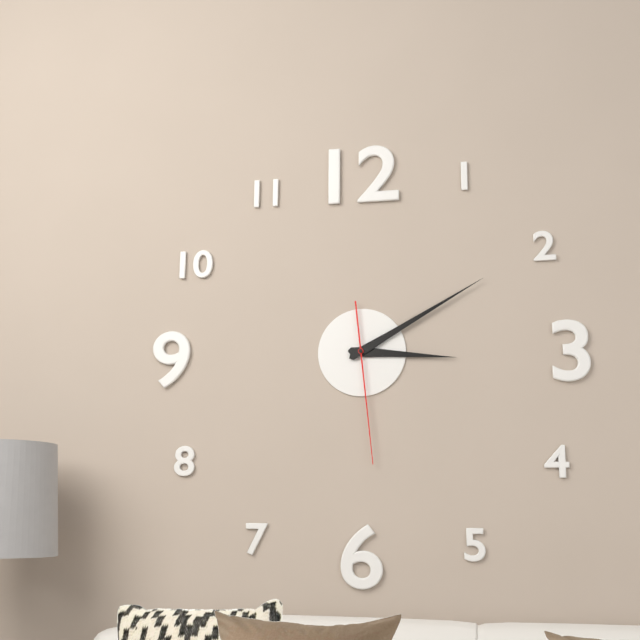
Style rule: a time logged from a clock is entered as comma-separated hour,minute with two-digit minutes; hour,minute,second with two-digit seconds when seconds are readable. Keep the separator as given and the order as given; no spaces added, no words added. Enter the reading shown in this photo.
3,10,29
